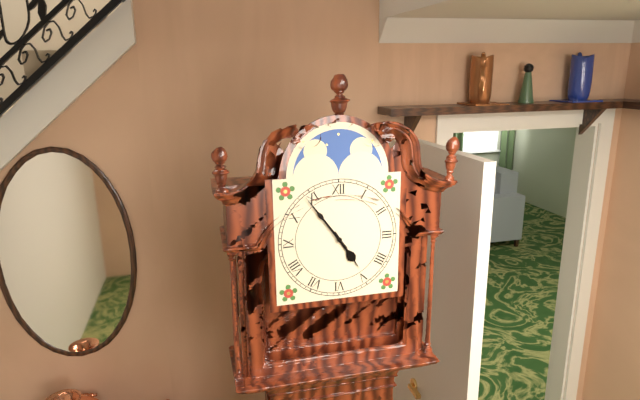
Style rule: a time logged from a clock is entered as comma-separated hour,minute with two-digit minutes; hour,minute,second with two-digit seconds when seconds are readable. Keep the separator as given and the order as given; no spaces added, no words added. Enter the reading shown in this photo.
4,54
